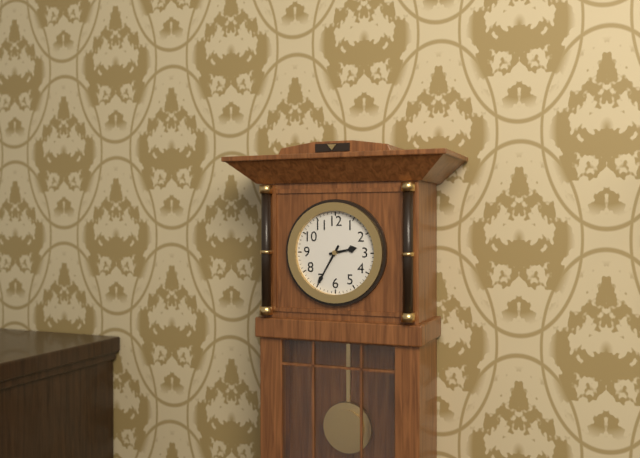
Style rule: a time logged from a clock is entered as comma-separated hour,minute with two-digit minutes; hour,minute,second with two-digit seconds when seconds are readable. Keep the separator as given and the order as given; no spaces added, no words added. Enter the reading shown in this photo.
2,35
